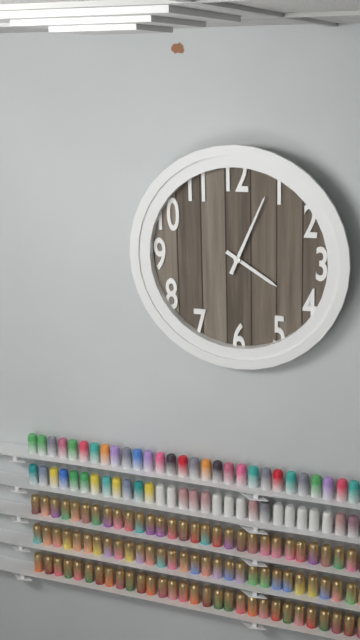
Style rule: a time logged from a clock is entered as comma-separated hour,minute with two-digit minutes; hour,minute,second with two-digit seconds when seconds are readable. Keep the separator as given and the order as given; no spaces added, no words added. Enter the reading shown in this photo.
4,04
